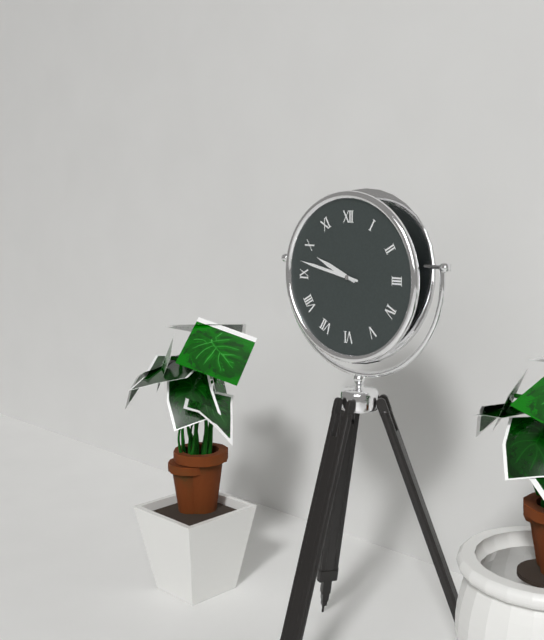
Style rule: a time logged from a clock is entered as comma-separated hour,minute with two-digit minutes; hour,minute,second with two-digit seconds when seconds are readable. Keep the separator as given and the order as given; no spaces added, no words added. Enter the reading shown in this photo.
9,47
